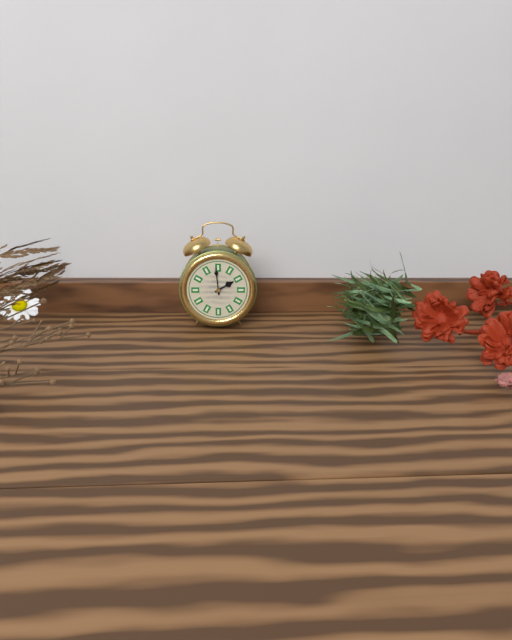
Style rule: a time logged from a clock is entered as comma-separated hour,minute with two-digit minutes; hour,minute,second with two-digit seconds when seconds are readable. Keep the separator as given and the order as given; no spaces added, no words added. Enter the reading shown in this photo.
1,59
